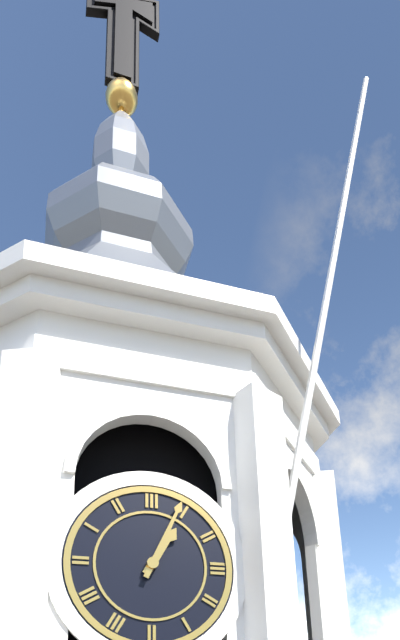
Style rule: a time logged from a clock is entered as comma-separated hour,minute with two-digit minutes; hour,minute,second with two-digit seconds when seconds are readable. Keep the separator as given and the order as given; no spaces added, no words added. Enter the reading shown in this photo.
1,04
